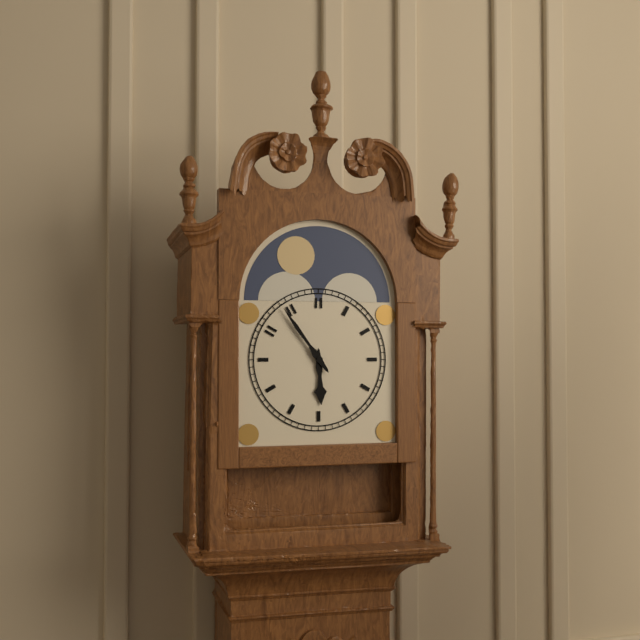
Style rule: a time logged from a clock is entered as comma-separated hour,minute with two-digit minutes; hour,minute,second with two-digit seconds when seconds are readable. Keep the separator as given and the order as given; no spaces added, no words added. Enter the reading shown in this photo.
5,54
